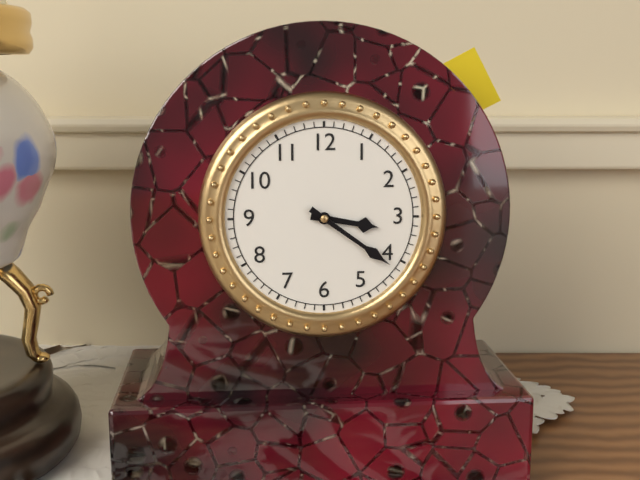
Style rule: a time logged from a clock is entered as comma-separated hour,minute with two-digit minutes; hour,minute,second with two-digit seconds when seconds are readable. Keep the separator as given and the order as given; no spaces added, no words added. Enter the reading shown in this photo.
3,21
